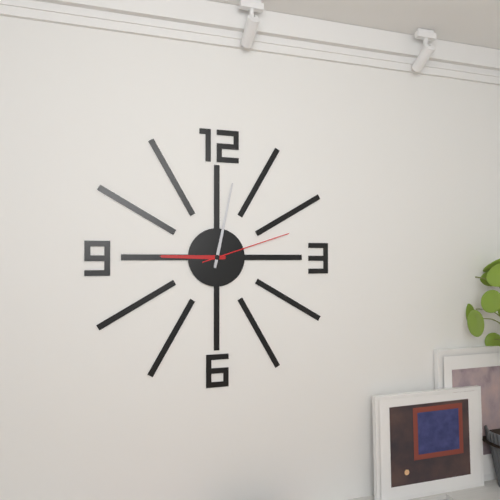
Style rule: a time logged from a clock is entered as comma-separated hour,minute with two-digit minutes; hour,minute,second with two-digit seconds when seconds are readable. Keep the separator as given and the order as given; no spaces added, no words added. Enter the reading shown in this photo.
9,02,12
